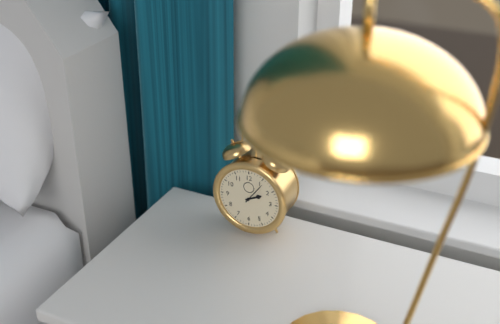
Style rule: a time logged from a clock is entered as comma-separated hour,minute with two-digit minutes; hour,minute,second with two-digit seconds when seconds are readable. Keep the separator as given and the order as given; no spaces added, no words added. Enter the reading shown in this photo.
2,06
